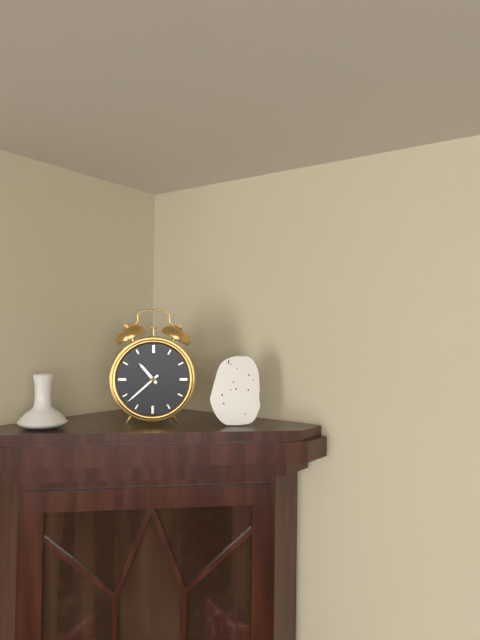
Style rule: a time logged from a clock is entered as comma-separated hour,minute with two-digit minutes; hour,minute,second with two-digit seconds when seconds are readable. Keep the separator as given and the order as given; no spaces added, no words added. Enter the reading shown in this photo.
10,38
